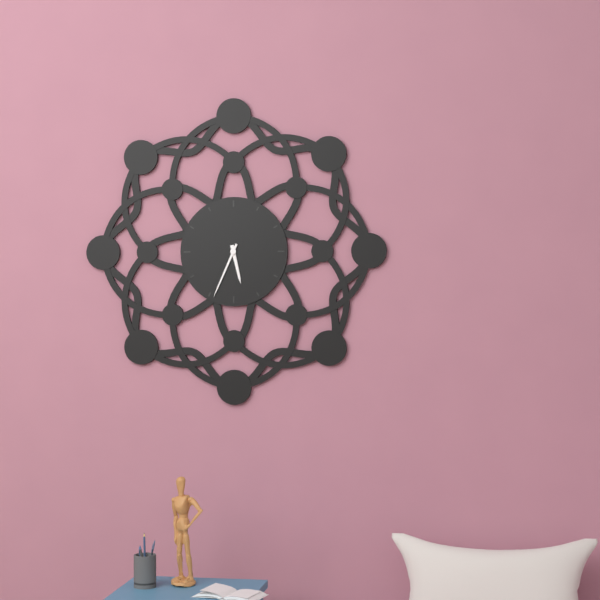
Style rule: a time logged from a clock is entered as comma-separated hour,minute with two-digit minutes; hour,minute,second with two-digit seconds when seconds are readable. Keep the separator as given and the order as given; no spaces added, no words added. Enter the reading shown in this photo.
5,34
